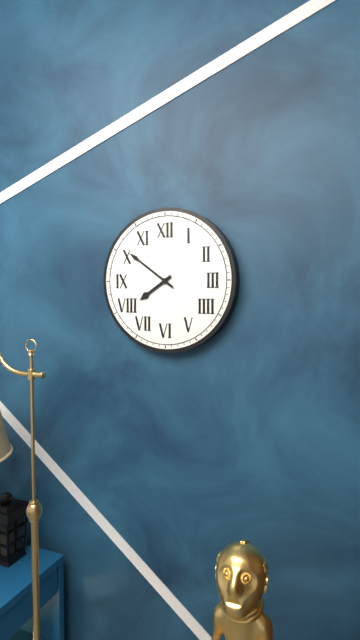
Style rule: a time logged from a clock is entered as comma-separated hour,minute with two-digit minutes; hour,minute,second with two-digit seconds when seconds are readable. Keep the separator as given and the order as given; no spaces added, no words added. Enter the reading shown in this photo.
7,51
